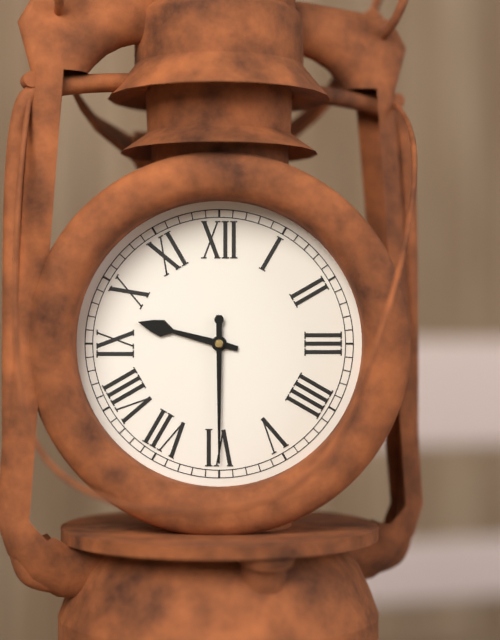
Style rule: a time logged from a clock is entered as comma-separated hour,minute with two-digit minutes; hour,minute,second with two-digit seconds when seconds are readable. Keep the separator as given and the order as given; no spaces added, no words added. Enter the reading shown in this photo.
9,30
